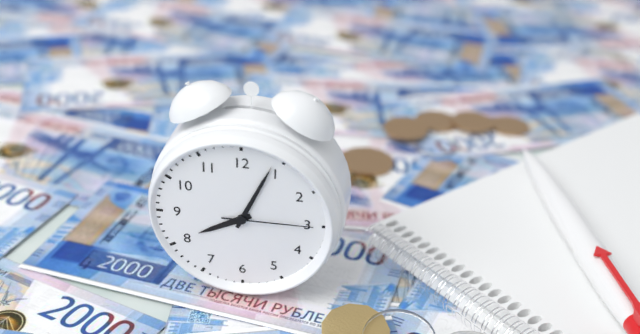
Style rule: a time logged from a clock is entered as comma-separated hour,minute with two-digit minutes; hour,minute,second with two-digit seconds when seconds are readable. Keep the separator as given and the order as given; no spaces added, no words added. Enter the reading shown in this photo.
8,04,15
